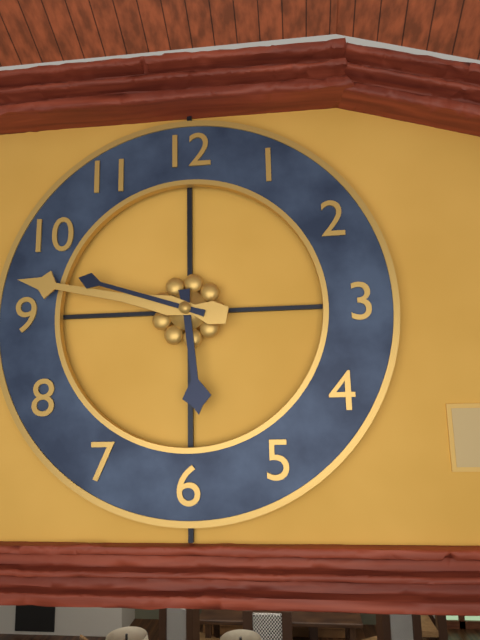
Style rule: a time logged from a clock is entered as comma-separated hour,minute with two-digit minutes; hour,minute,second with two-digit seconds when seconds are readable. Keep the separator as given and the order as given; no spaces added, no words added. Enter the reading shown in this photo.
5,47,48
